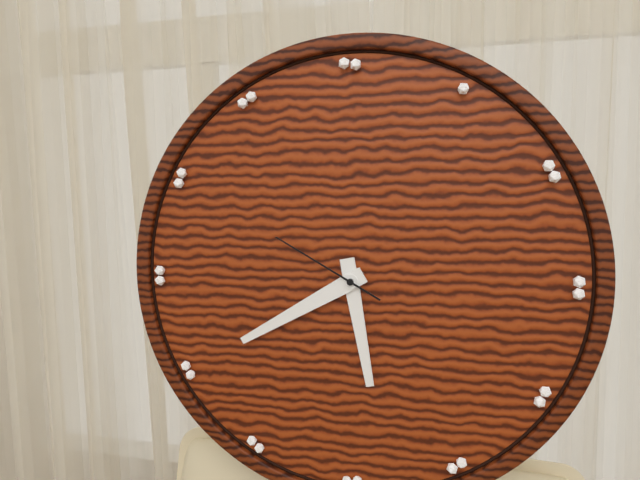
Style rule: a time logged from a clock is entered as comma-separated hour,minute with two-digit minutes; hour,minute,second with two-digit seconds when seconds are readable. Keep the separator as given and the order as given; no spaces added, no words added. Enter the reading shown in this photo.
5,40,50
